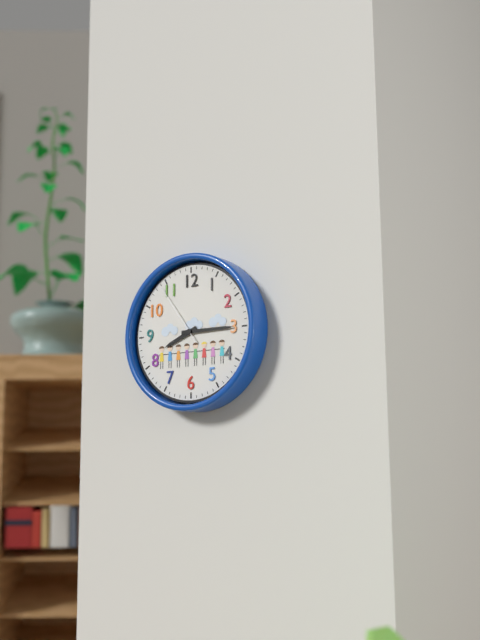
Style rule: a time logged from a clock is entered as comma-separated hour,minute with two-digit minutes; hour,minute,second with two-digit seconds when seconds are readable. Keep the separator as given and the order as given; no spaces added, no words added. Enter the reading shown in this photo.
8,15,54
